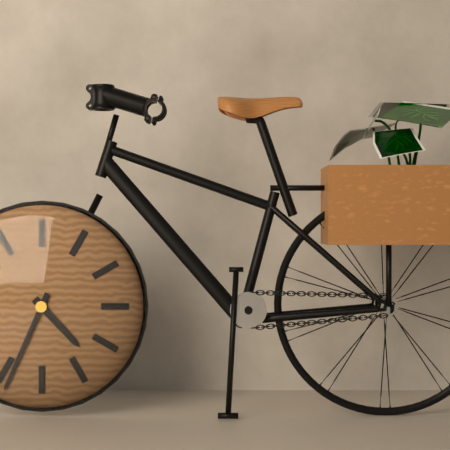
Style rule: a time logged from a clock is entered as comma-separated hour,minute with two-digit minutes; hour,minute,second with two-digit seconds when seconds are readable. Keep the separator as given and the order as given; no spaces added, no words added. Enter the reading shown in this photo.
4,34
